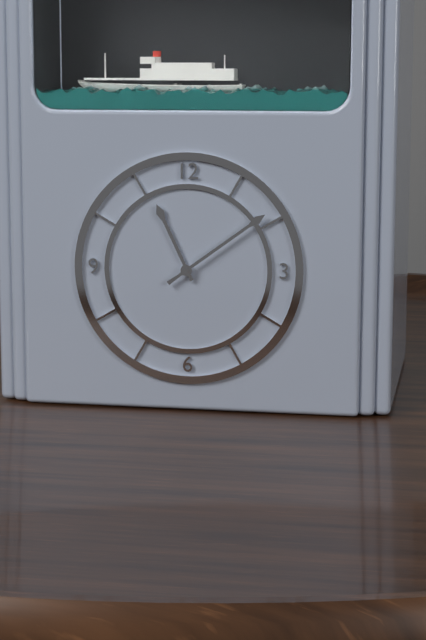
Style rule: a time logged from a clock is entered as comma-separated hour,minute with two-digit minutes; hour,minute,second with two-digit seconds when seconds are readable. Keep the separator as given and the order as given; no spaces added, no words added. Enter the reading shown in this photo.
11,09
